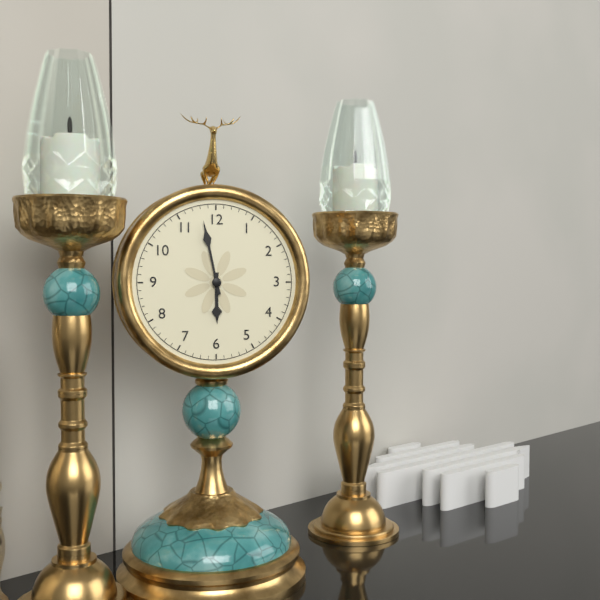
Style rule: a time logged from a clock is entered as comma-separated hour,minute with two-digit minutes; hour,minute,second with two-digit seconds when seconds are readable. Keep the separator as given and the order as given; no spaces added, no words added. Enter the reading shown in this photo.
5,58
